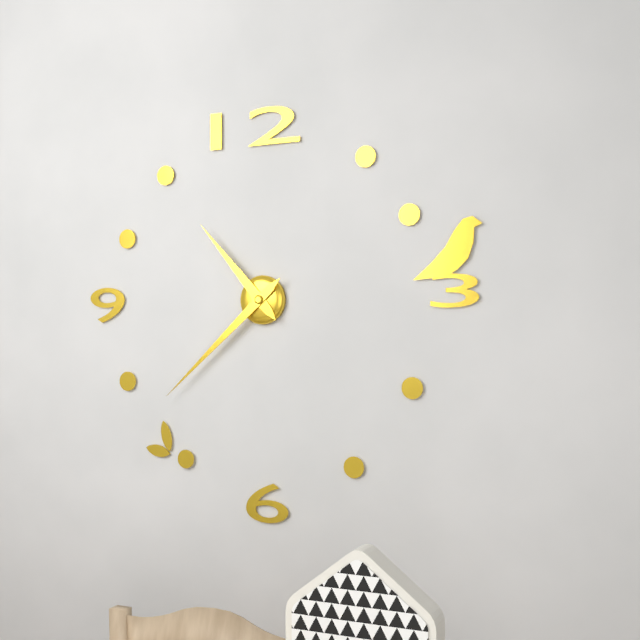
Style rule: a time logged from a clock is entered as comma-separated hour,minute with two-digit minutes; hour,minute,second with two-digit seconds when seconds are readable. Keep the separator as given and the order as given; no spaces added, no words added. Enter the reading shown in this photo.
10,38
